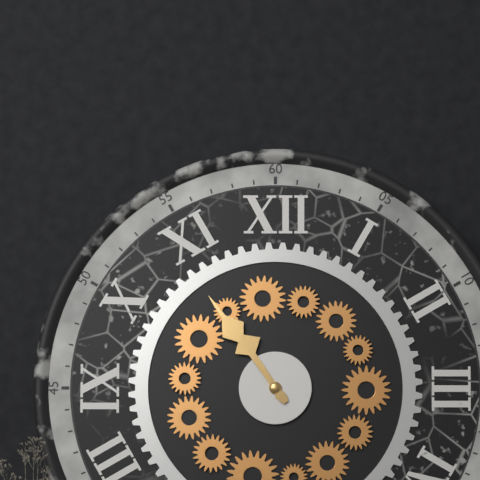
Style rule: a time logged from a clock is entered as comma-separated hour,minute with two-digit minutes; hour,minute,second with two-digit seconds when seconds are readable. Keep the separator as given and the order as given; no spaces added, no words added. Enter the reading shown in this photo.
10,54
